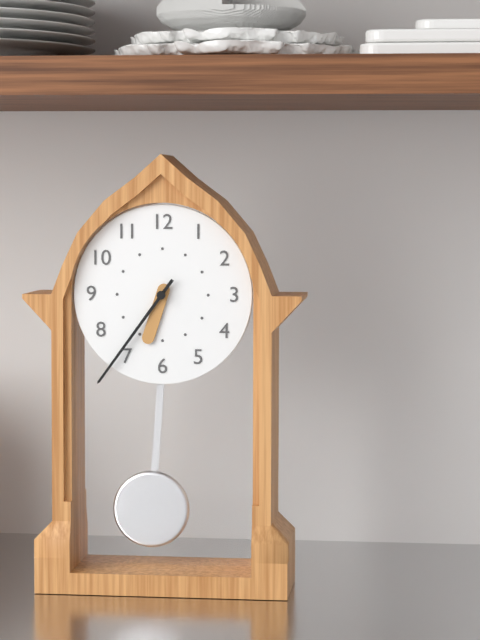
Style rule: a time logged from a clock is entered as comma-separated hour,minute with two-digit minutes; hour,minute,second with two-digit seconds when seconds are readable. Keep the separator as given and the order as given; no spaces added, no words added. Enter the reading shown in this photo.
6,36
